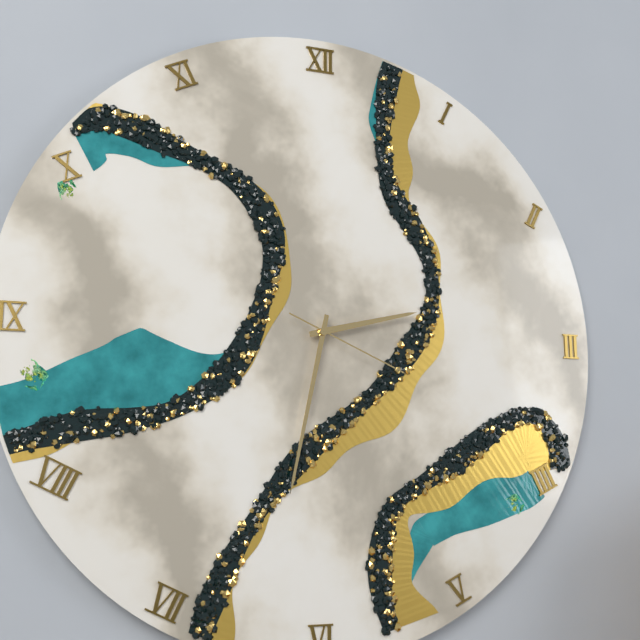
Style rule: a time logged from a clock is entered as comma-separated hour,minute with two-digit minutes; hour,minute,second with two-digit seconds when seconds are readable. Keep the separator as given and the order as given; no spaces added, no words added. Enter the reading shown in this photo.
2,32,19
